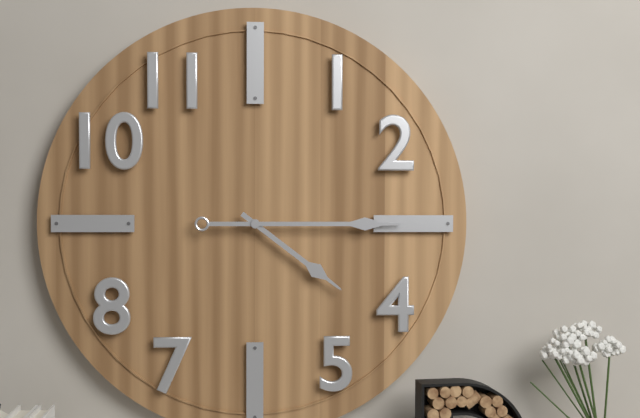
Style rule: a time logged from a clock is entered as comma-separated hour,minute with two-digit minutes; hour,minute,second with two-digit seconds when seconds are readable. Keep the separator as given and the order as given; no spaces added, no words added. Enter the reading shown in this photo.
4,15
